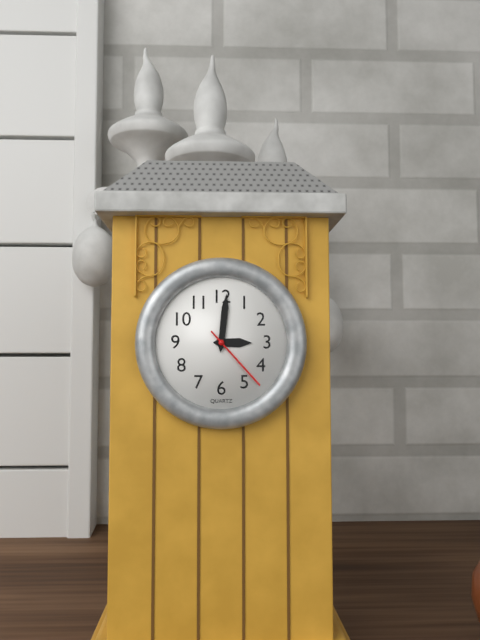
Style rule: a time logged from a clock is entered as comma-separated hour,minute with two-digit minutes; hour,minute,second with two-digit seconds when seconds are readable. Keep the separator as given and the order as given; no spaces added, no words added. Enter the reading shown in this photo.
3,01,23
